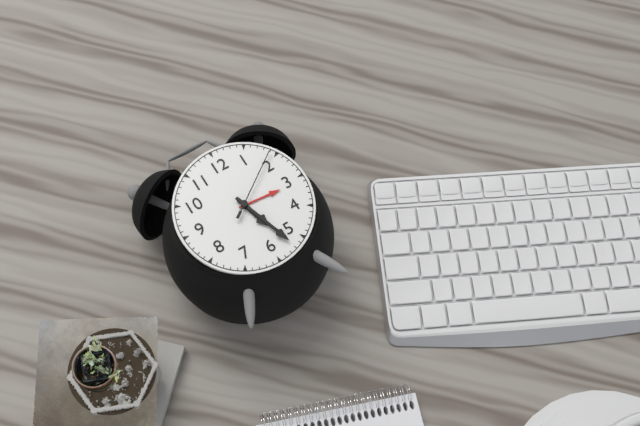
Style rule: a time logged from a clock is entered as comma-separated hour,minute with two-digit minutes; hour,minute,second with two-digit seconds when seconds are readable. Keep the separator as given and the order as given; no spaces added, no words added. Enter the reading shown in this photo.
5,27,09
